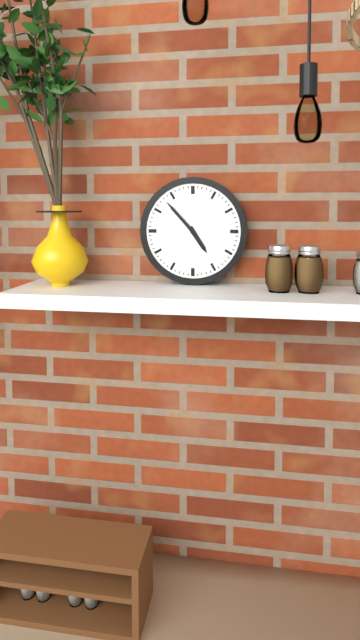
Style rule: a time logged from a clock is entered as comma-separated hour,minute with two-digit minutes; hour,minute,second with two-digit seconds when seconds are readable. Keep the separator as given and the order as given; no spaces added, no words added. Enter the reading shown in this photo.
4,53
